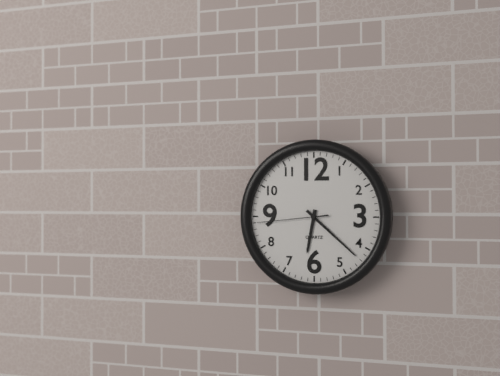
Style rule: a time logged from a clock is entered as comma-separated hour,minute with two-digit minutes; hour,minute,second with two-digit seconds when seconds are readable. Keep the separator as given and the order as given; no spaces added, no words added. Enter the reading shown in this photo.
6,22,44
